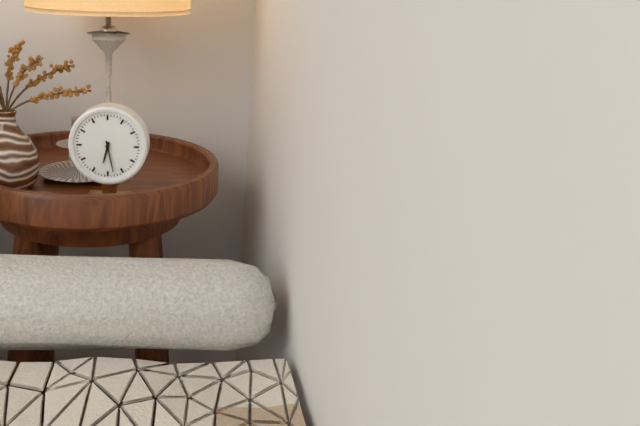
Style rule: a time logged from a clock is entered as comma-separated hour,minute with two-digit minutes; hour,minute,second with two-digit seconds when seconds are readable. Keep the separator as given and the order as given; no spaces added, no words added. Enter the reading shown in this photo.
6,28
